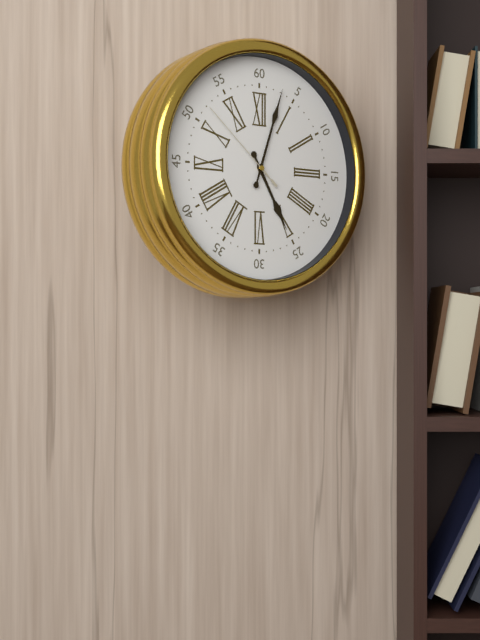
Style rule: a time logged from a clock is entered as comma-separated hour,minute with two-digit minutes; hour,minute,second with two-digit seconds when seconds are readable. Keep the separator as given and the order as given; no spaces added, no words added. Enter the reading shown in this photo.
5,03,52
